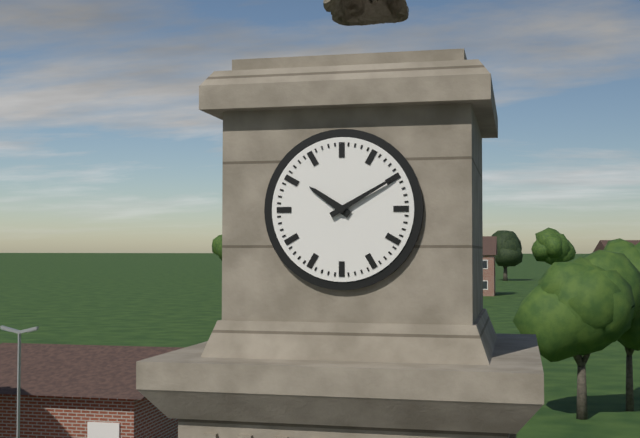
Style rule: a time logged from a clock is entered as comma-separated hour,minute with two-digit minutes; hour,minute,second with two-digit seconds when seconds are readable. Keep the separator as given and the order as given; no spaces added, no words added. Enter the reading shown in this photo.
10,10
